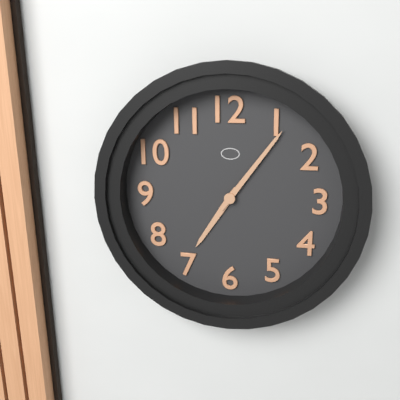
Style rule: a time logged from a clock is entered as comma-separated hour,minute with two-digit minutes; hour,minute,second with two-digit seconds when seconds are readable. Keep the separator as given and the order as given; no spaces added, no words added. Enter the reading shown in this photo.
7,06
